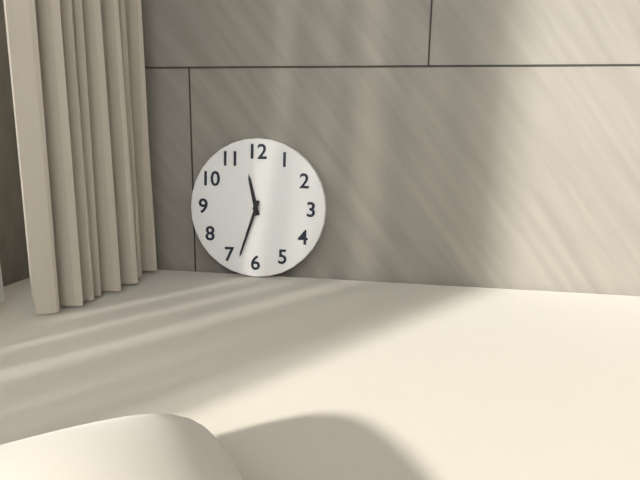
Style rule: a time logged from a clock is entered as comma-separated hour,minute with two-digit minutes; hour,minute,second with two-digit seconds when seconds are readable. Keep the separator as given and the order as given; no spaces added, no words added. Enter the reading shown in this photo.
11,33
